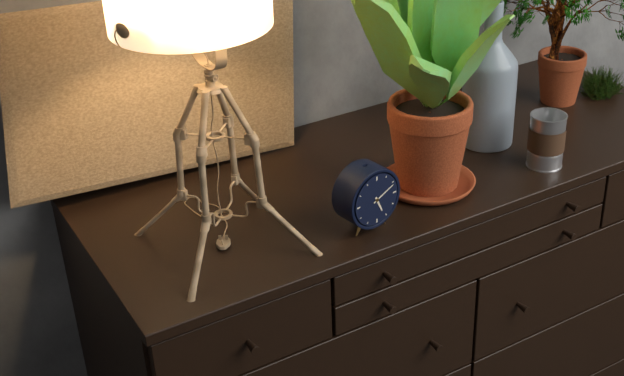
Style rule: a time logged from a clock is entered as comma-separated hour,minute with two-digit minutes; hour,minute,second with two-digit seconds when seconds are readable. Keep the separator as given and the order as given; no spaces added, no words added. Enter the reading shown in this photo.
5,11
